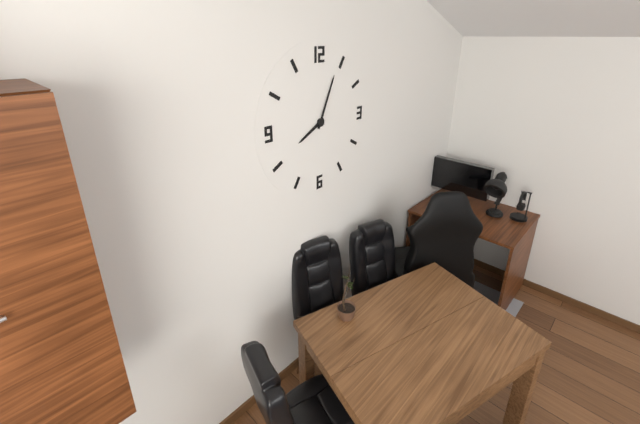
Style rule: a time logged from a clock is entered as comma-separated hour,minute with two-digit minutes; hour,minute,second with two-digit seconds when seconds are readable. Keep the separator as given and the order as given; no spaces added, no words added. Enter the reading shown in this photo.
8,04
